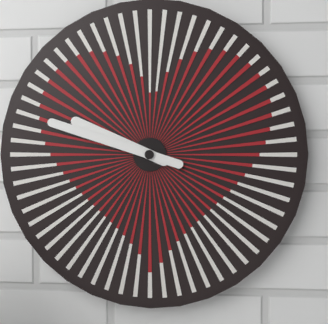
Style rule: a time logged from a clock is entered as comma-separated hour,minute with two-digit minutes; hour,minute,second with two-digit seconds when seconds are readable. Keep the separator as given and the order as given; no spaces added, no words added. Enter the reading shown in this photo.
9,48
